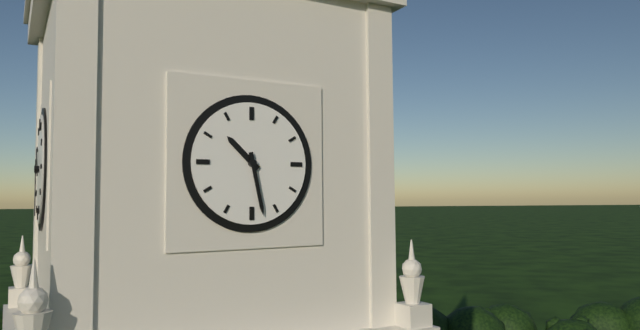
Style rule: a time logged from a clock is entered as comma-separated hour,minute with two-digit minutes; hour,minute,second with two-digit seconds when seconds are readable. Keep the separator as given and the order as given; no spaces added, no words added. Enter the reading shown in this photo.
10,28
